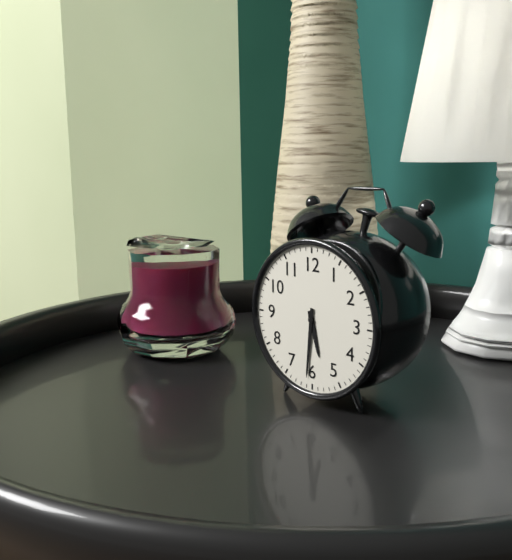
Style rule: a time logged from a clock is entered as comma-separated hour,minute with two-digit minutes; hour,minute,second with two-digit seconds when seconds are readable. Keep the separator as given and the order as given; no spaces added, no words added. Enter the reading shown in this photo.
5,31
